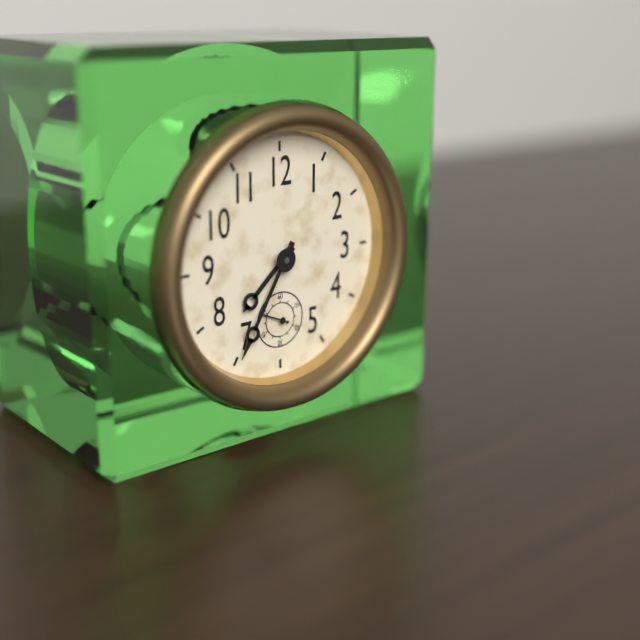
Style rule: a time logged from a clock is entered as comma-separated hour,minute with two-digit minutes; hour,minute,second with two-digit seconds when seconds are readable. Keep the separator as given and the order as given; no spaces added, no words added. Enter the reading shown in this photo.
7,35
